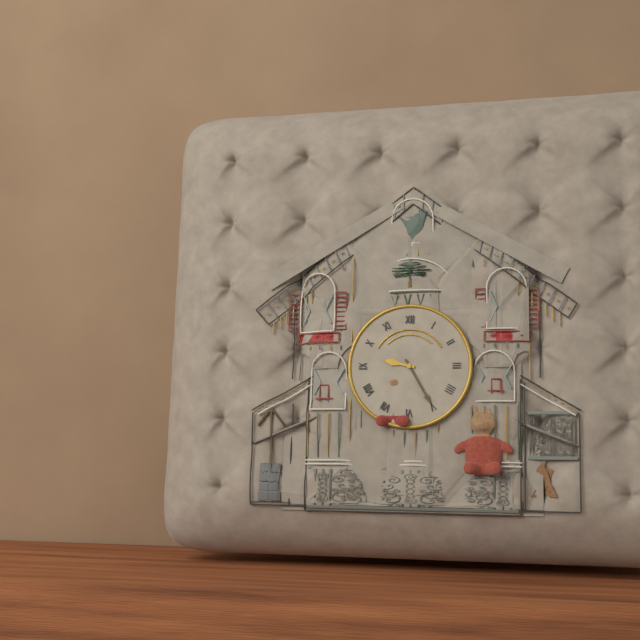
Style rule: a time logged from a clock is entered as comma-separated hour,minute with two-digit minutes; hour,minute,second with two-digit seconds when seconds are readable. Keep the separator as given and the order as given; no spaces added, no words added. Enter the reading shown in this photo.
9,25
